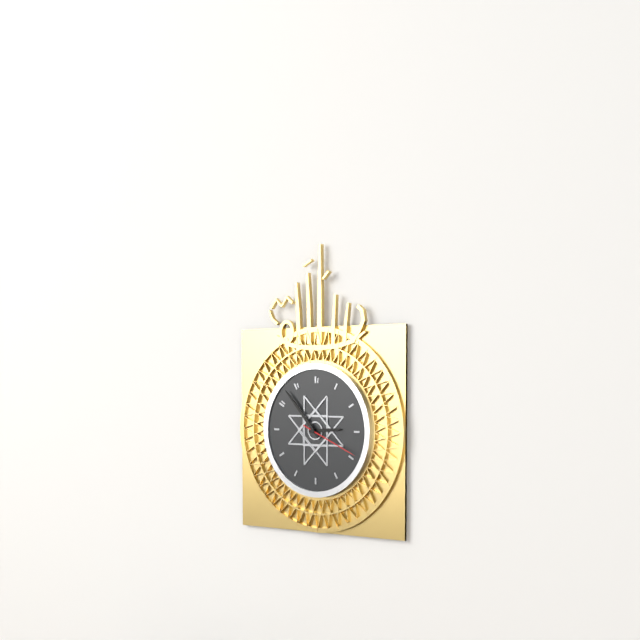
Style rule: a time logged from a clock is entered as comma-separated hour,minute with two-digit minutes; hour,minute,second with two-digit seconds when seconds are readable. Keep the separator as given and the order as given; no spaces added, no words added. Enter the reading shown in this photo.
2,53,19
